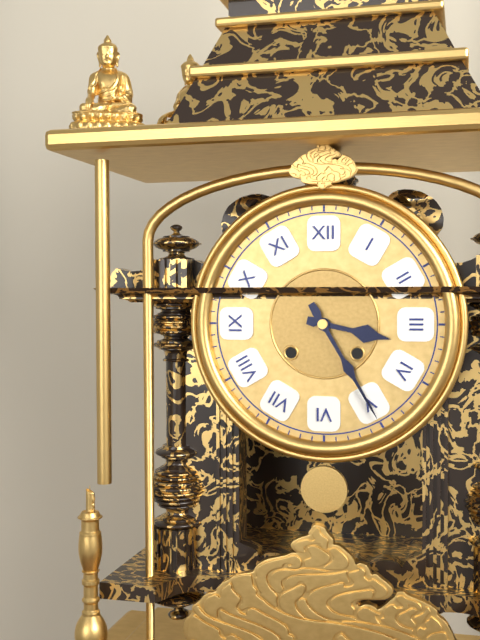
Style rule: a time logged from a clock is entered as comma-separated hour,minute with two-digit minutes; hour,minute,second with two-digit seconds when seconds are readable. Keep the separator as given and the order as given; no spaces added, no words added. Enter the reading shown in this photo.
3,25
